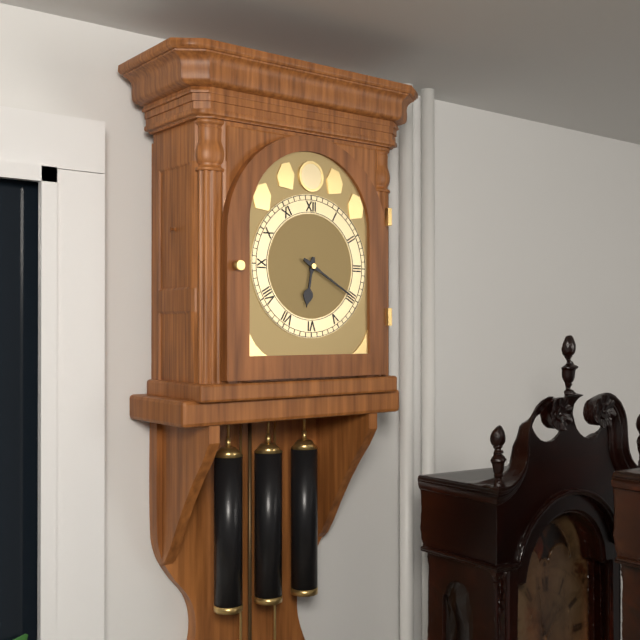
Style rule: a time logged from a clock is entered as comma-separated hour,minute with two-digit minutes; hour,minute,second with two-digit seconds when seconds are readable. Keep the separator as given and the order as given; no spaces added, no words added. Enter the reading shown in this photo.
6,20
